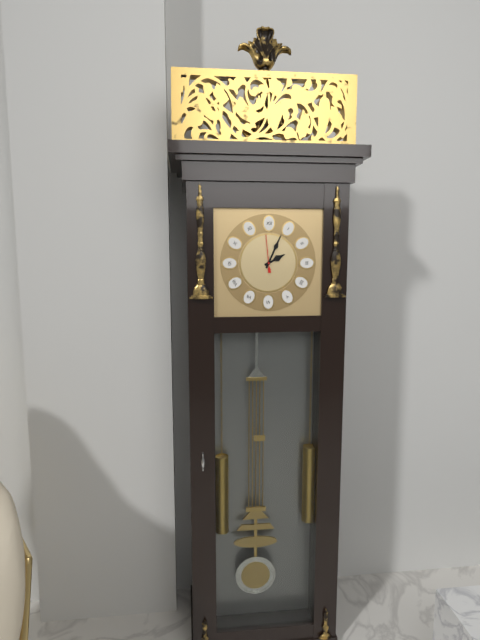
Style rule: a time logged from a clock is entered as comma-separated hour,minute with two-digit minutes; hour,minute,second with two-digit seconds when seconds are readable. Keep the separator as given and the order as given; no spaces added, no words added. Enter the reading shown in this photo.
2,04
